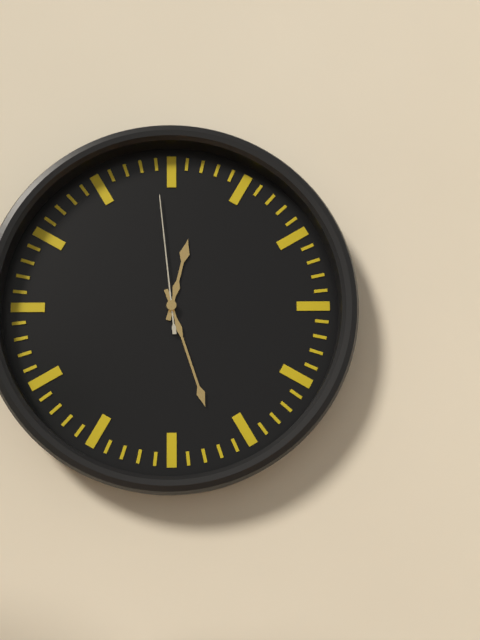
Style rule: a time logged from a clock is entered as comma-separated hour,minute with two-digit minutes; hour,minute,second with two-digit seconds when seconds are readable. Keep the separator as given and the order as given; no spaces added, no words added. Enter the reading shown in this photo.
12,27,59
